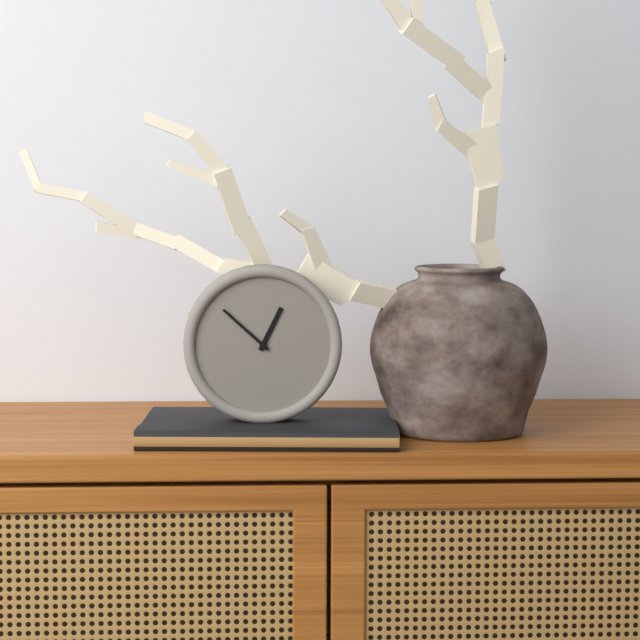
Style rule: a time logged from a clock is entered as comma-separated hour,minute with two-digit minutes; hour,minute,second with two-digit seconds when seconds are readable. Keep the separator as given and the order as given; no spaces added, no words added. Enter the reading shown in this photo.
12,52
